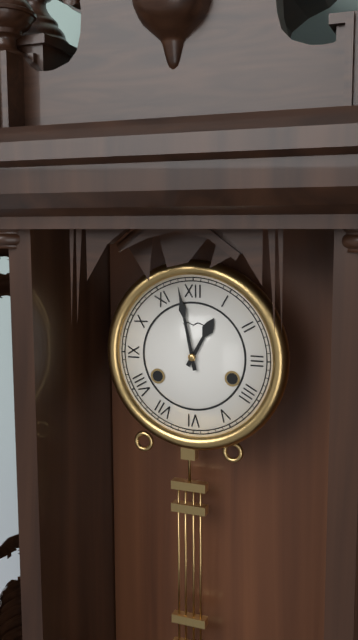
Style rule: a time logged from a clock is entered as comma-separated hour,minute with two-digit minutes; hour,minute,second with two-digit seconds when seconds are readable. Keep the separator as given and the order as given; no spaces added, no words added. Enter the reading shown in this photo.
12,58
